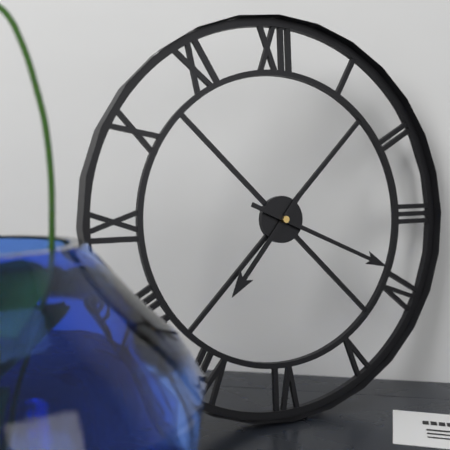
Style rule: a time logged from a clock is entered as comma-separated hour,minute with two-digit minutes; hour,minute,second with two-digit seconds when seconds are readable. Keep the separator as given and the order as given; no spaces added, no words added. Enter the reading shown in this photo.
7,19
